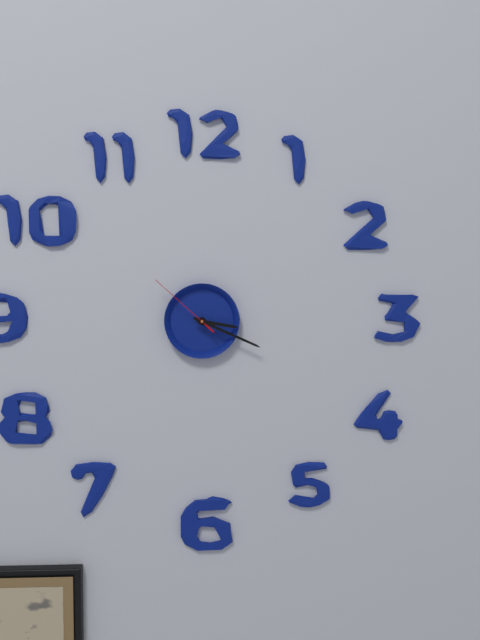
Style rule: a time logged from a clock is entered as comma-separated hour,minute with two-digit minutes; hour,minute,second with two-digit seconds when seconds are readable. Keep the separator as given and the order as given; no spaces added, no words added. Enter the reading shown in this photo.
3,19,52
